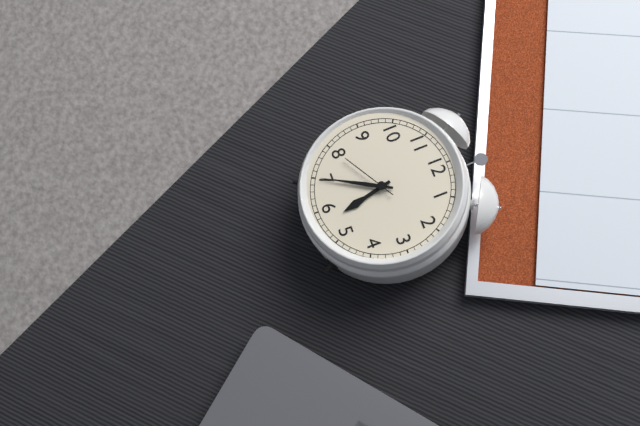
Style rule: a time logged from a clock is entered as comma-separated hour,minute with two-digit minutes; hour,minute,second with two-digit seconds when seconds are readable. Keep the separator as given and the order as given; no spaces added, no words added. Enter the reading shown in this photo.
5,35,40
